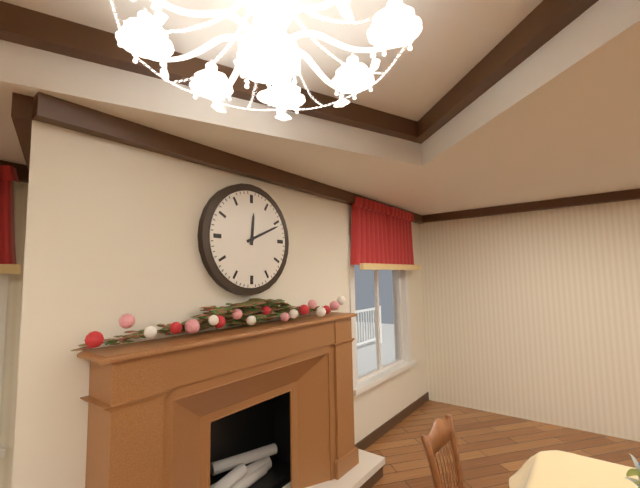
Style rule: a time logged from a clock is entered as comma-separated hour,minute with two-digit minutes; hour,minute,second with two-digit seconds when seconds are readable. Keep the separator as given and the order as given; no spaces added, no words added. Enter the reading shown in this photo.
12,11
